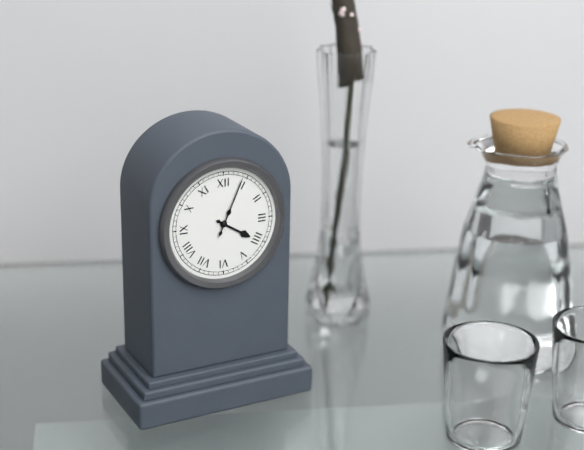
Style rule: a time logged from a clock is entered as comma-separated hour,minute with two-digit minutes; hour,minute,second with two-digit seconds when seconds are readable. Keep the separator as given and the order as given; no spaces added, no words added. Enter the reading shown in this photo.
4,04
